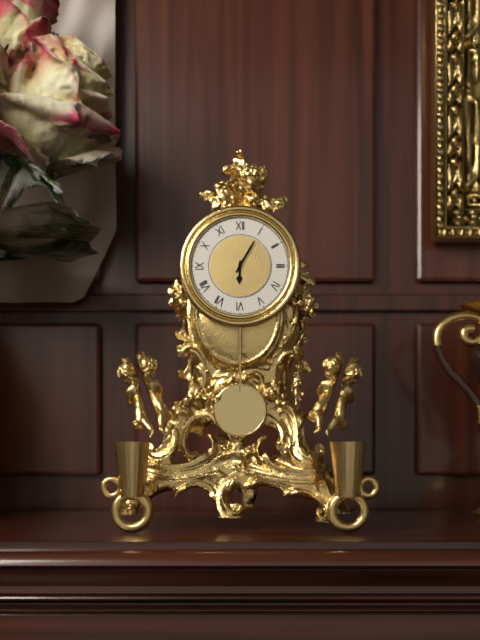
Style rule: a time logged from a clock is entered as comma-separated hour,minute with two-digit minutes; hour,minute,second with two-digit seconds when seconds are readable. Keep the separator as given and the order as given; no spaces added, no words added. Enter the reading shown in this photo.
6,05
